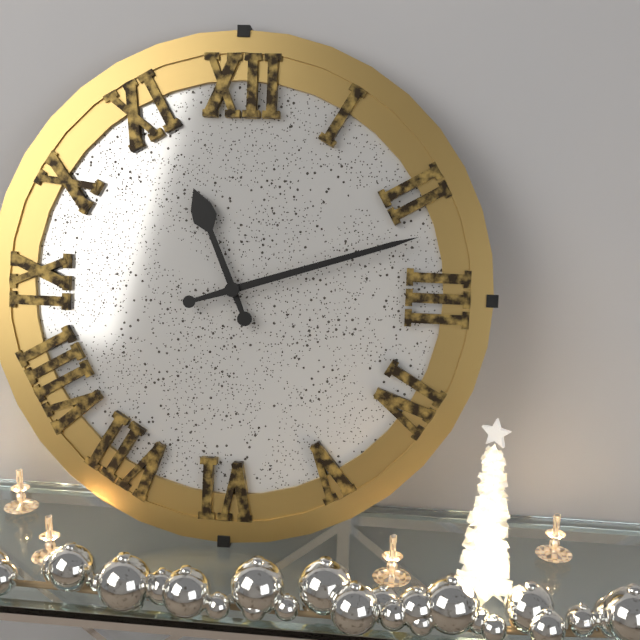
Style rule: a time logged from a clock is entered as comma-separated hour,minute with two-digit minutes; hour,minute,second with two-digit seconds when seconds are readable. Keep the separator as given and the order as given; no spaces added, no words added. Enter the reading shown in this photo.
11,12
